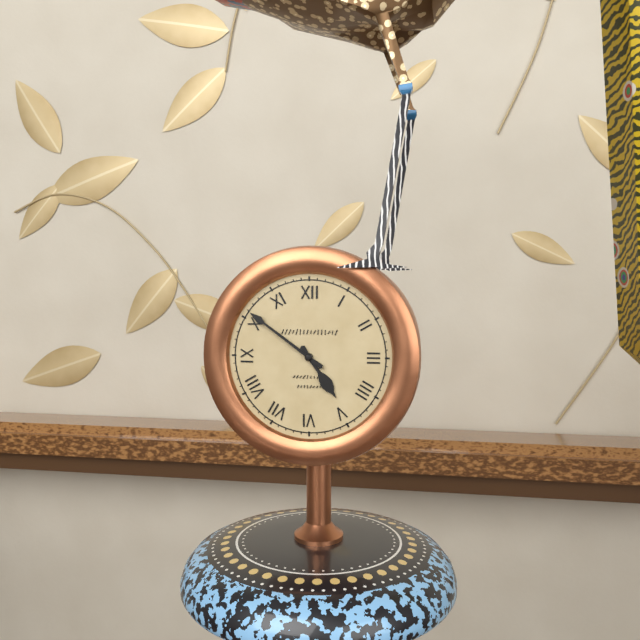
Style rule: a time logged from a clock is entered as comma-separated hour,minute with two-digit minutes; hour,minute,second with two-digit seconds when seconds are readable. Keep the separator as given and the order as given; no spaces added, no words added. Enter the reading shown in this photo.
4,51
